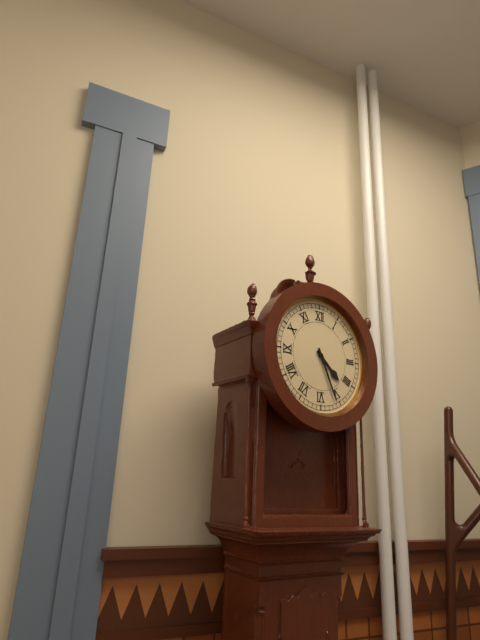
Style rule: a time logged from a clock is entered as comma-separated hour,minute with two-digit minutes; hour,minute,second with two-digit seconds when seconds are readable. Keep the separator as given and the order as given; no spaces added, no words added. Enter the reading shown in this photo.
4,26
